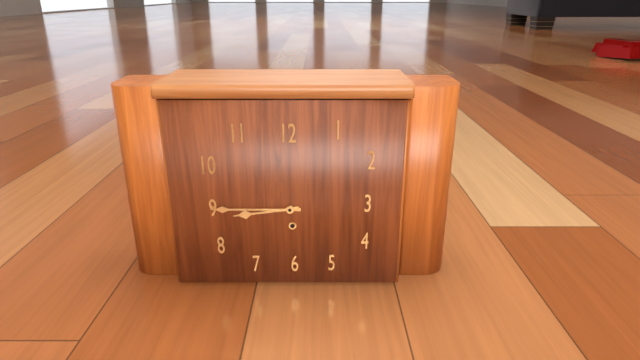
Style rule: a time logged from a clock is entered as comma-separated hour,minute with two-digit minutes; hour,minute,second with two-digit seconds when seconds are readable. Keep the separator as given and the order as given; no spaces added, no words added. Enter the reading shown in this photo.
8,45
